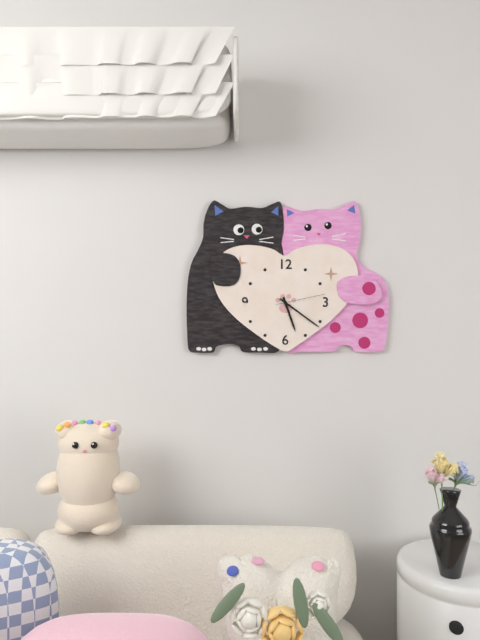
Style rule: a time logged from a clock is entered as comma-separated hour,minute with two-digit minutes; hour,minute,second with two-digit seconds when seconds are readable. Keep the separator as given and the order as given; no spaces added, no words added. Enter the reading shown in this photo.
5,21,13
